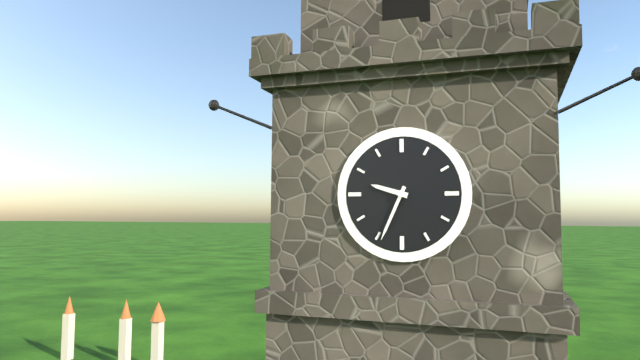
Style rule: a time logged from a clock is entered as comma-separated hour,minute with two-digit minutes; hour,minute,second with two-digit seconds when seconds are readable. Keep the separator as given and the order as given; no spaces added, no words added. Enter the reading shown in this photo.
9,34
